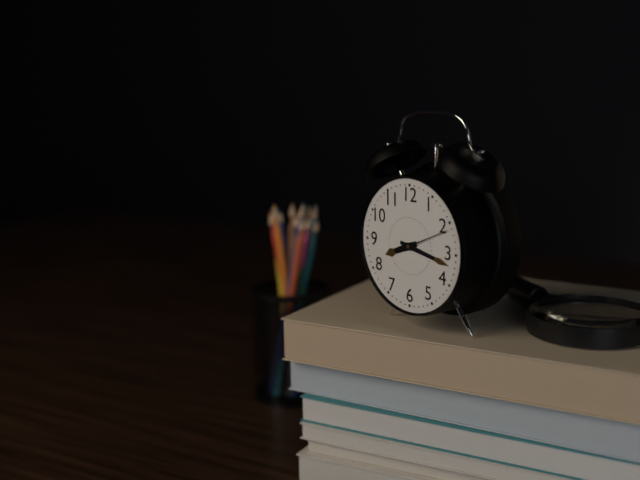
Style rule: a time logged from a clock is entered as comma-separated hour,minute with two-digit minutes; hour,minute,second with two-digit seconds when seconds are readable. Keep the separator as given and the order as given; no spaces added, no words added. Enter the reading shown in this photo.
8,17,11
